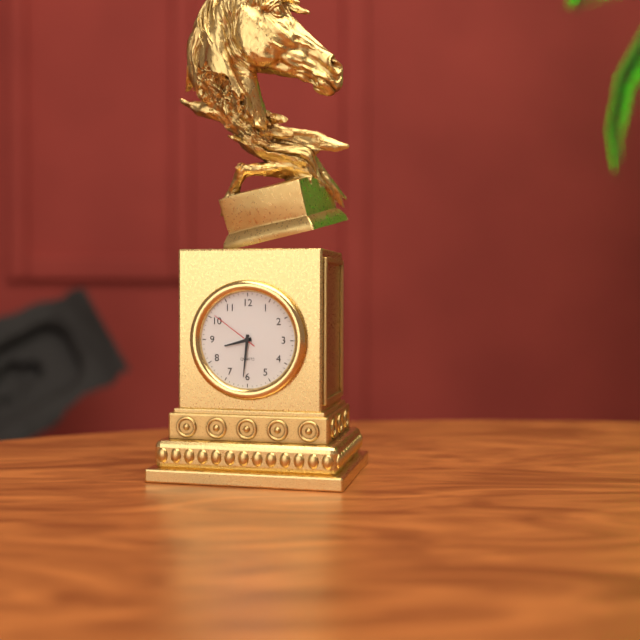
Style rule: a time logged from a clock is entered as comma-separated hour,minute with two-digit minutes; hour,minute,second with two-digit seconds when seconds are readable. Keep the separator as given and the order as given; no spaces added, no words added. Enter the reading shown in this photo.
8,31,51
